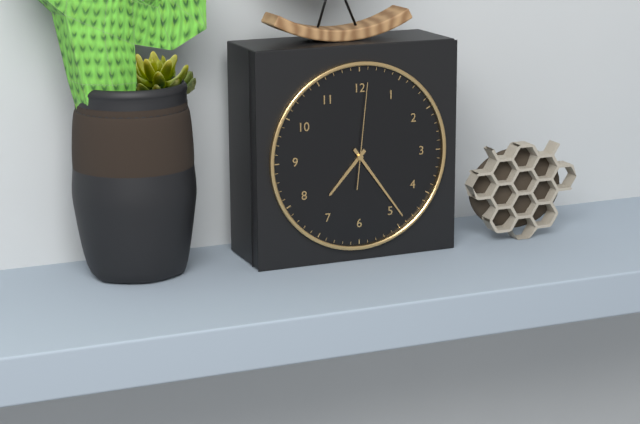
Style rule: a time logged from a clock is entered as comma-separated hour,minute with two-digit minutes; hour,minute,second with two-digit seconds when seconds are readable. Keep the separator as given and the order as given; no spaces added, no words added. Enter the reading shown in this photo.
7,24,01
